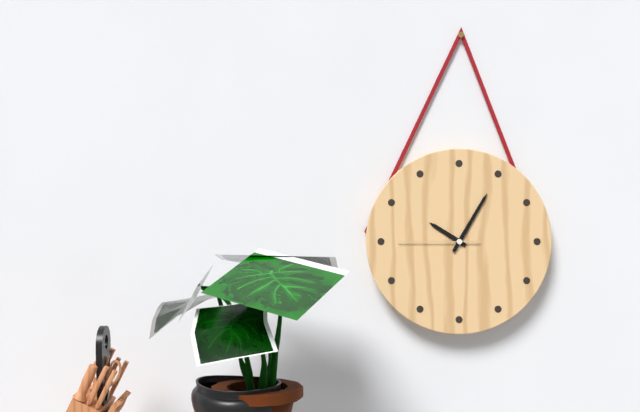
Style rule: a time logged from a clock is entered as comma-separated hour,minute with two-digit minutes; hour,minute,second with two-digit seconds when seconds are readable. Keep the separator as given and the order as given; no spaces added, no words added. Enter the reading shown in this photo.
10,05,45
